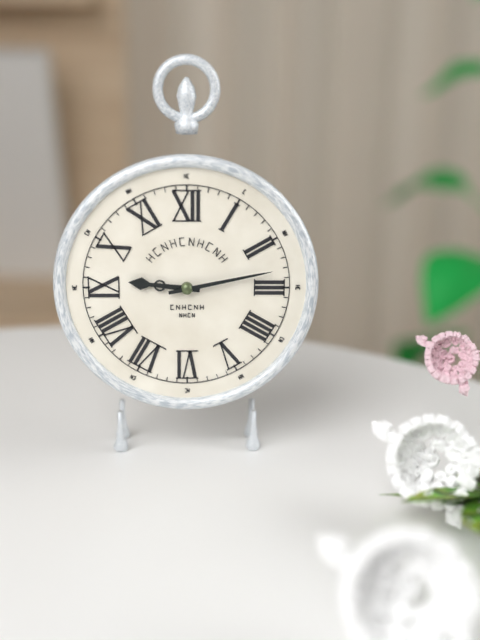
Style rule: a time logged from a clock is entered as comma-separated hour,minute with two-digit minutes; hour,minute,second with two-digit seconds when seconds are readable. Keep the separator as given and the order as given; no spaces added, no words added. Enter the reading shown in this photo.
9,13
